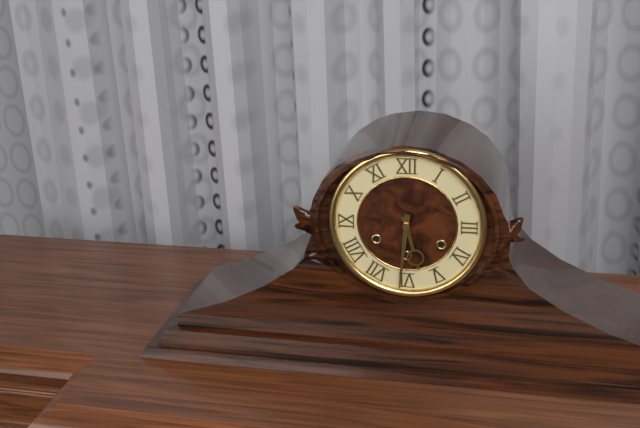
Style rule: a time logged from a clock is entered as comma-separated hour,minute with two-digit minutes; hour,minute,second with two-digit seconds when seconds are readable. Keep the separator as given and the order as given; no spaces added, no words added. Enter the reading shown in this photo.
5,31
